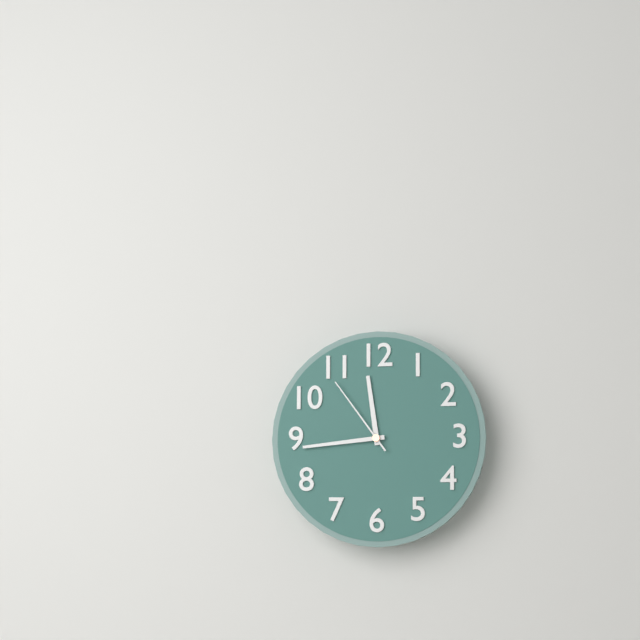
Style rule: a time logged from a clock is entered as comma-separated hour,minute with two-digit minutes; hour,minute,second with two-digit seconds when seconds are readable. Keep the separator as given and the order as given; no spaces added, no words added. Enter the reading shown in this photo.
11,44,54
